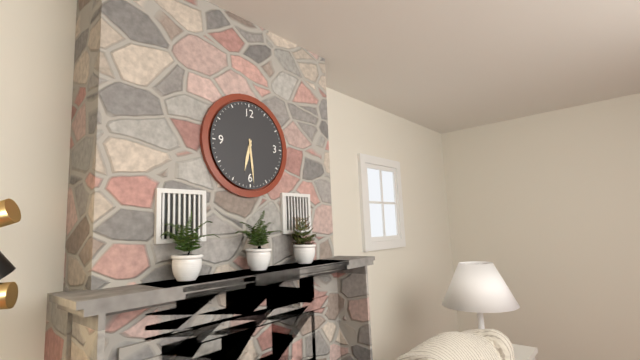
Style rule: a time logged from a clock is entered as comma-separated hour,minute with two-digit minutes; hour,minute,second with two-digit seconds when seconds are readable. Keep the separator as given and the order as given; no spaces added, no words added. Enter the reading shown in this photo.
6,29
